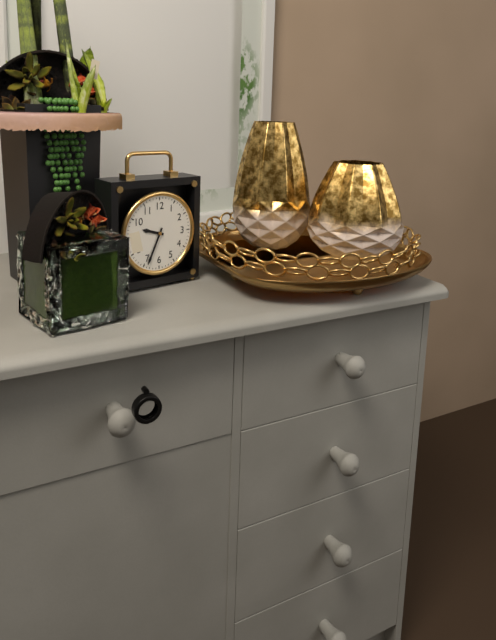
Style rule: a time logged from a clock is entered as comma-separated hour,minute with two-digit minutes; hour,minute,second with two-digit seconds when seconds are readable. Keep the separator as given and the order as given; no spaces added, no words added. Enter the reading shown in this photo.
9,34
